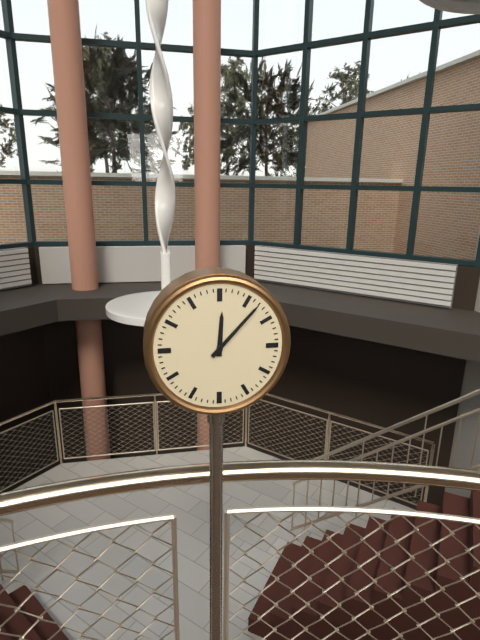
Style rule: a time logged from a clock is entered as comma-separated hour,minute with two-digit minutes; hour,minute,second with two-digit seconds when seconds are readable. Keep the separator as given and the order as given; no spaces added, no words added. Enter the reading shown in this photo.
12,07
